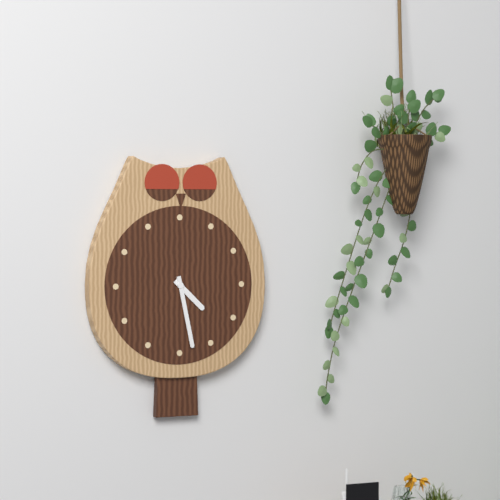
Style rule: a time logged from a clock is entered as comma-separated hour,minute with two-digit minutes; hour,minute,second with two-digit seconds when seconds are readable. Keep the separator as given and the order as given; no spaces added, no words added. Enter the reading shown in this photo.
4,28
